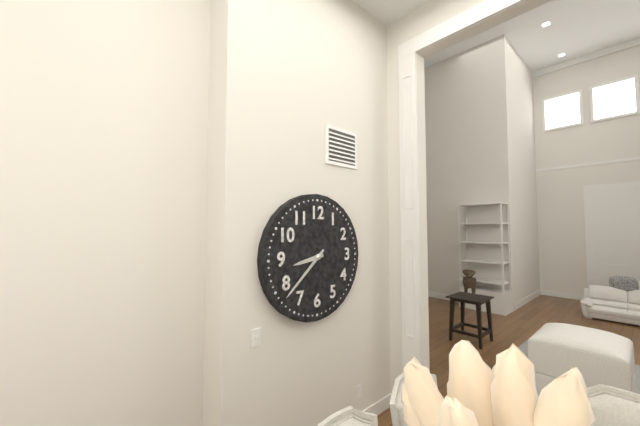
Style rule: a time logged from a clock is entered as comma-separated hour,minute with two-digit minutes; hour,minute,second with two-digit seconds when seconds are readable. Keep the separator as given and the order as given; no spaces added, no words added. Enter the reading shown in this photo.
8,38
